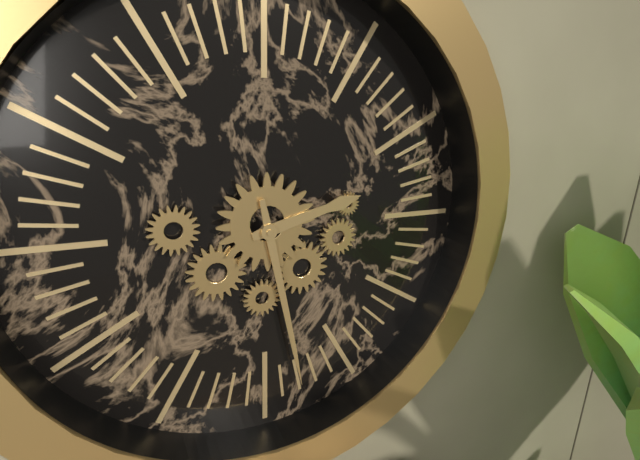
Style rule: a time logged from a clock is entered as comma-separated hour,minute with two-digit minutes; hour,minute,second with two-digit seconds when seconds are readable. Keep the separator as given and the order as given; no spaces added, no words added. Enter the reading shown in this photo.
2,28
